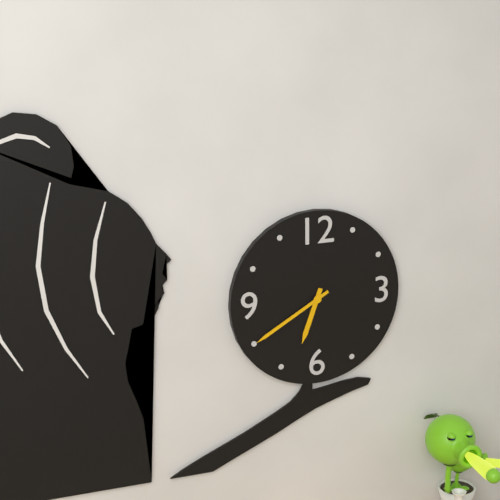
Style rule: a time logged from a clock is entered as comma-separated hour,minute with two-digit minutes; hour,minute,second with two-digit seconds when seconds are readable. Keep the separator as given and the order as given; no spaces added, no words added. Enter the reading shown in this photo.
6,40
